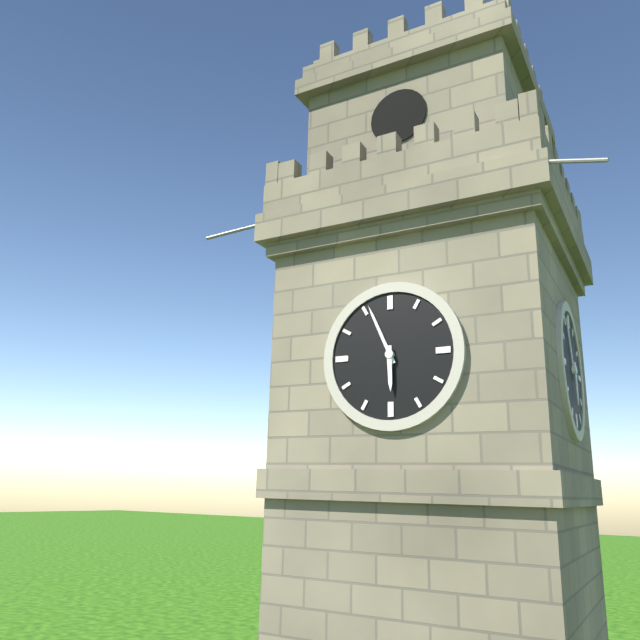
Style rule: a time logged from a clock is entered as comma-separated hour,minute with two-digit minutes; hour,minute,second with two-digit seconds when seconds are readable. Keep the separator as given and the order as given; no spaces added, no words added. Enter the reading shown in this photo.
5,56
